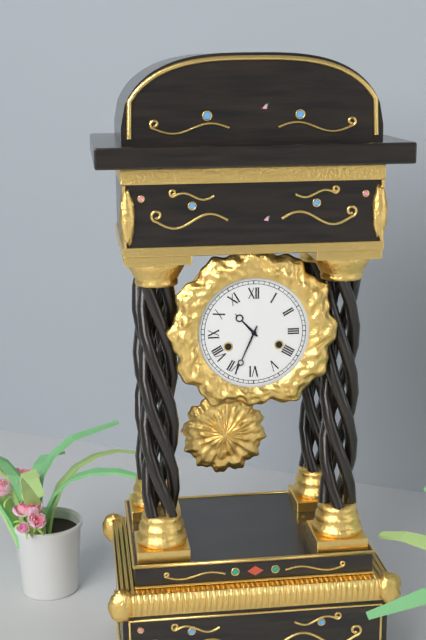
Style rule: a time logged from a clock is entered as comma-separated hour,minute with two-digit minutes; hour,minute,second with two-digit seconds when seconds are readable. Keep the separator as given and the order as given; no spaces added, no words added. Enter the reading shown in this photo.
10,34
